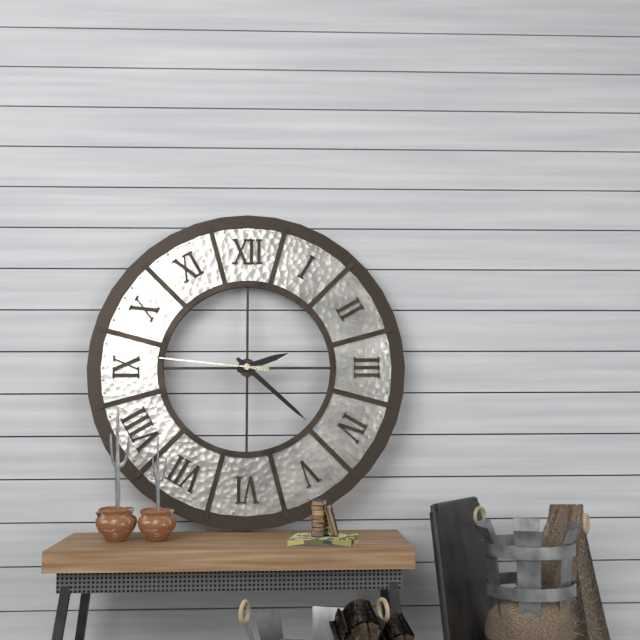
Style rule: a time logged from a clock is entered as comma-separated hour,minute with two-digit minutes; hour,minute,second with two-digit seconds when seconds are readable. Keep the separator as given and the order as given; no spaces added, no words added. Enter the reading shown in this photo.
2,22,46
